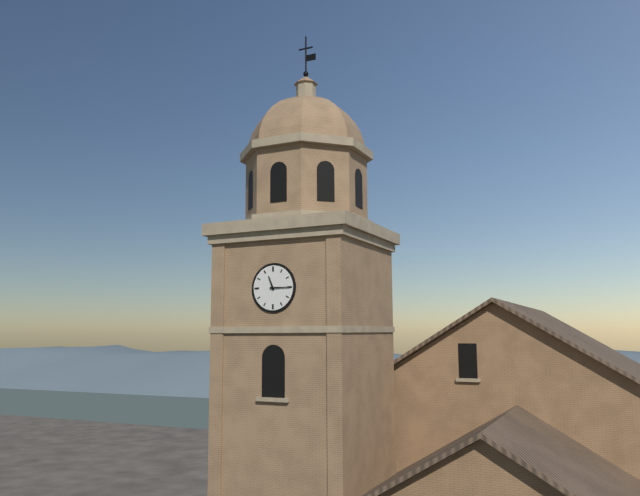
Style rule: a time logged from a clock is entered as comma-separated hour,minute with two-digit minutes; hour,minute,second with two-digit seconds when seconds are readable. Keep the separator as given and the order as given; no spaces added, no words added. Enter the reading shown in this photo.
11,15
